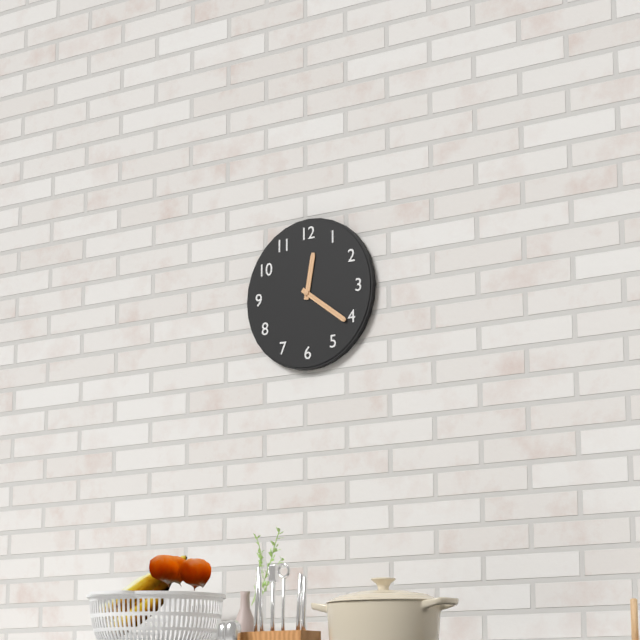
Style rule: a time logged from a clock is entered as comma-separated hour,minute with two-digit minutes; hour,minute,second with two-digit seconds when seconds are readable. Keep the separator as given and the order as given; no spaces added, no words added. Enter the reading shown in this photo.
12,21
